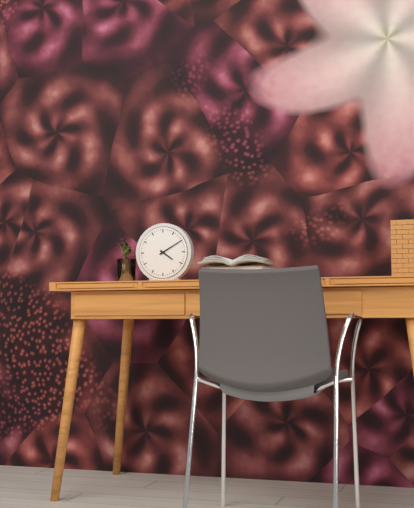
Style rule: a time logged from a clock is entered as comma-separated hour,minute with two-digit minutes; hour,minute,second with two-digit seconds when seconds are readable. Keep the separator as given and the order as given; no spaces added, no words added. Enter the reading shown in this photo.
4,10
